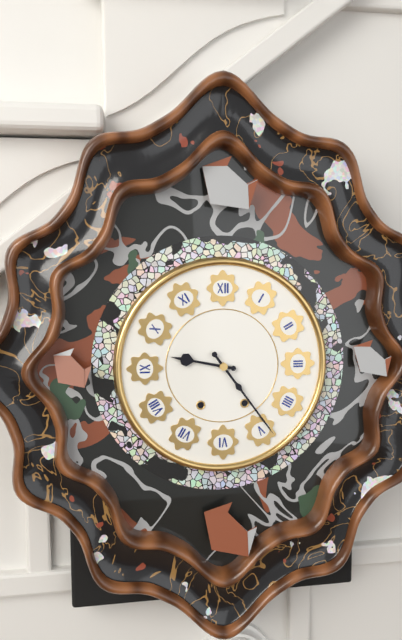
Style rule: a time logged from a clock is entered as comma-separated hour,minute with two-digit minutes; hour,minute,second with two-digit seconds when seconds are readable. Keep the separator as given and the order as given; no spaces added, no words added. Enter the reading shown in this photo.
9,24
